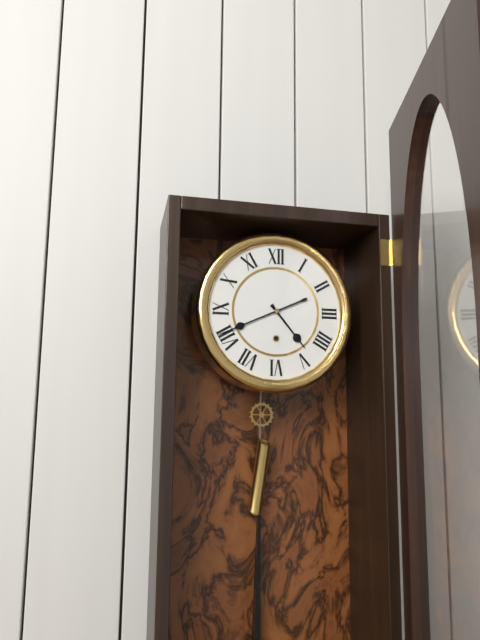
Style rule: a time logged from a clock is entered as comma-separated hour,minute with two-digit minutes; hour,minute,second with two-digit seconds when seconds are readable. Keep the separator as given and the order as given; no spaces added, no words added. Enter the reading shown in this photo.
4,41
